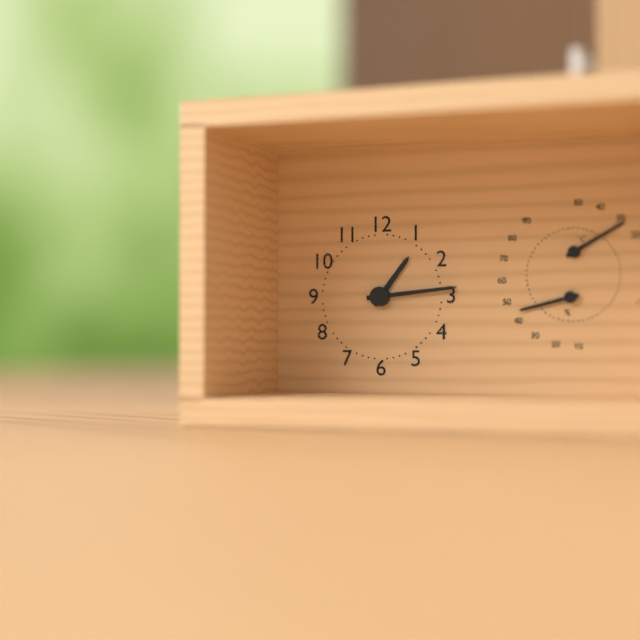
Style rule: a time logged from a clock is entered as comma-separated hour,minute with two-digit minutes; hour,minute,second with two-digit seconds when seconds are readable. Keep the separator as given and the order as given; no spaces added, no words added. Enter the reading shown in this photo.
1,14
